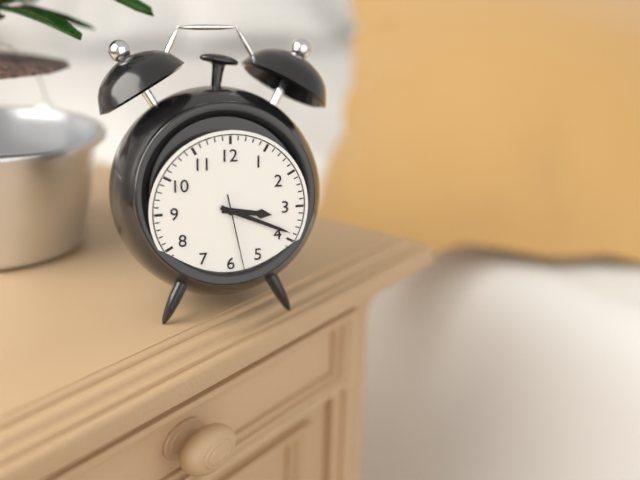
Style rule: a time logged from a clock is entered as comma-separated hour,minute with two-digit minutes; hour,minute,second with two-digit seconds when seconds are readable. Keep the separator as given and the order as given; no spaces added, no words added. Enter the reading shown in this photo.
3,19,28
